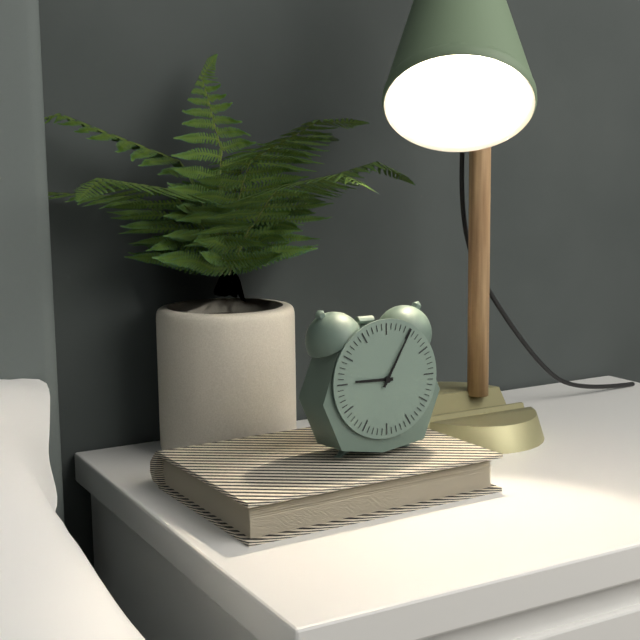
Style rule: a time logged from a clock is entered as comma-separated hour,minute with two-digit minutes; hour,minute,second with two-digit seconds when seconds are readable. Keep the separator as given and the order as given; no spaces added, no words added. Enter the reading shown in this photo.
9,05
